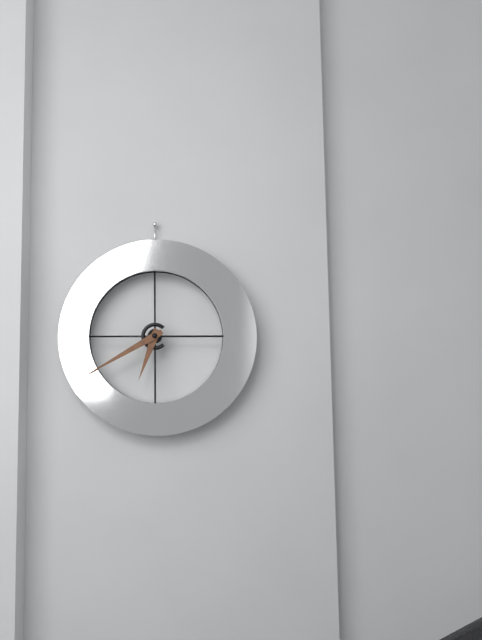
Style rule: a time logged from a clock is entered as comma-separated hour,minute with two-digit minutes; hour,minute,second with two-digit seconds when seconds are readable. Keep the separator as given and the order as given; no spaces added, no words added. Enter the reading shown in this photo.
6,40
